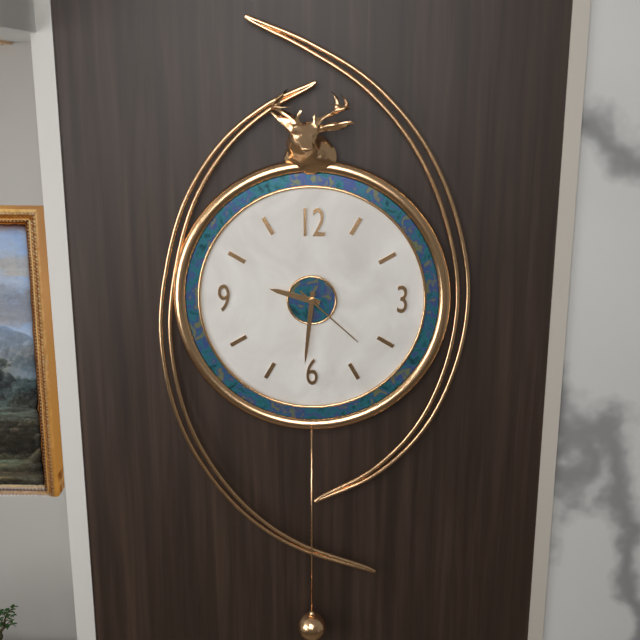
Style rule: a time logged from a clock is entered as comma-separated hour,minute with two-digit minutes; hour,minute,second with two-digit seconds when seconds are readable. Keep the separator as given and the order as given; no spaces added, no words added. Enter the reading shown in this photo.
9,31,22
